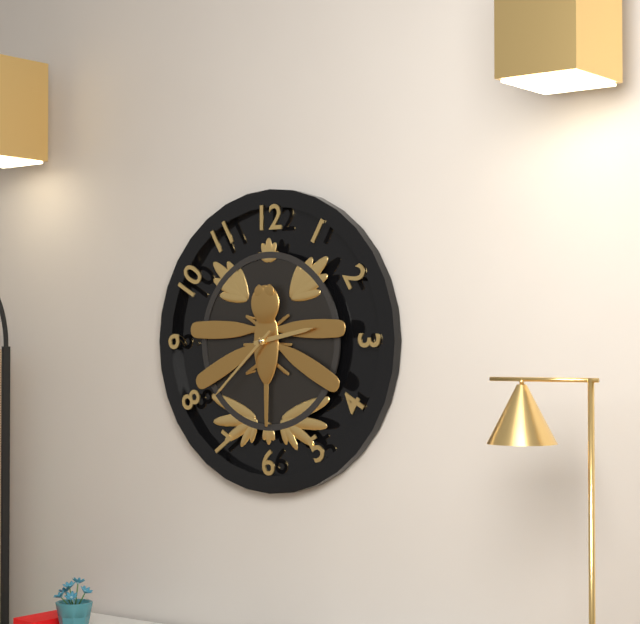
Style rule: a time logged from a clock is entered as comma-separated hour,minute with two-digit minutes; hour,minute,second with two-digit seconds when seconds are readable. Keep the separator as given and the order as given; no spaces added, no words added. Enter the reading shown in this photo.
2,38
